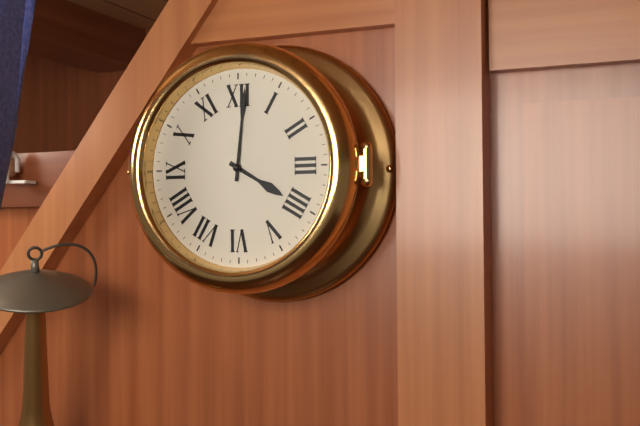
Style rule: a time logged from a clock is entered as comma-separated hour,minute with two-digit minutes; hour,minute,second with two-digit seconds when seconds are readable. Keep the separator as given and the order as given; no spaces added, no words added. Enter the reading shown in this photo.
4,01
